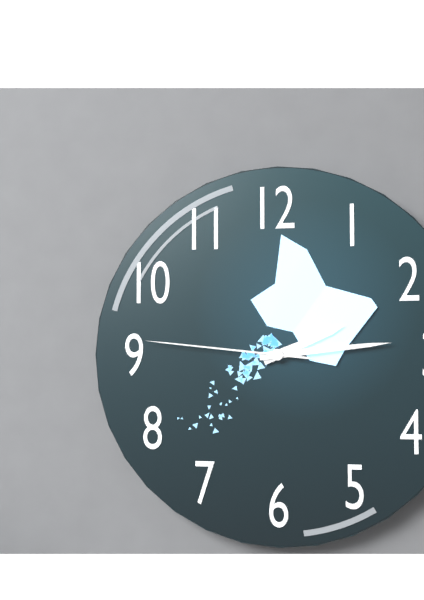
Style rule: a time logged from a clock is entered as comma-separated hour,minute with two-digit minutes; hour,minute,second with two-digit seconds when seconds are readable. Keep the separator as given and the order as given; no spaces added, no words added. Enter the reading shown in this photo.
2,14,46
